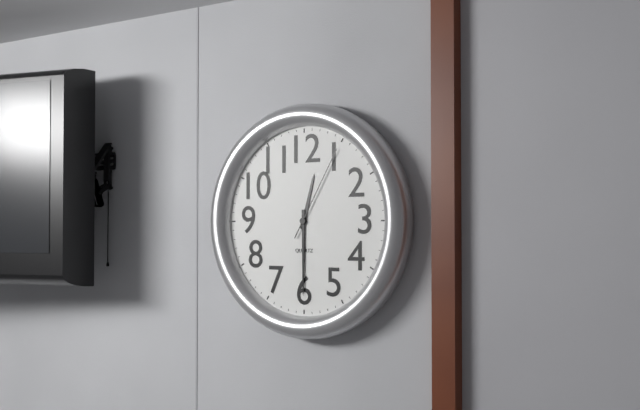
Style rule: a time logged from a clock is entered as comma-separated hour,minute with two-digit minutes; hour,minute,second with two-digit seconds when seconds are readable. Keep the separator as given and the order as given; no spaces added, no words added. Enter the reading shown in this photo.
12,30,05
